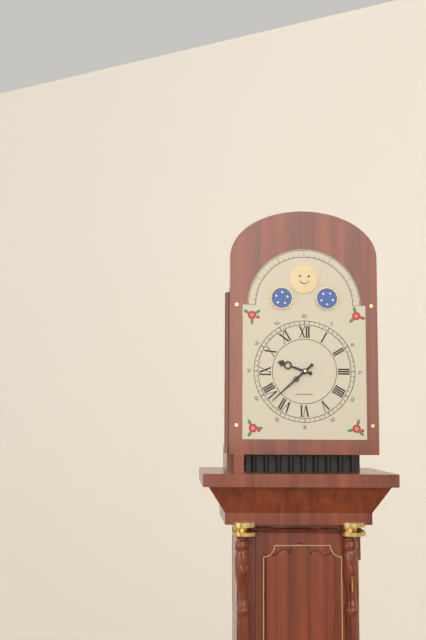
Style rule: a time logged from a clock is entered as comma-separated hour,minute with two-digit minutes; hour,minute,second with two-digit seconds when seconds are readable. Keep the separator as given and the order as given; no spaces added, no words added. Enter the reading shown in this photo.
9,38
